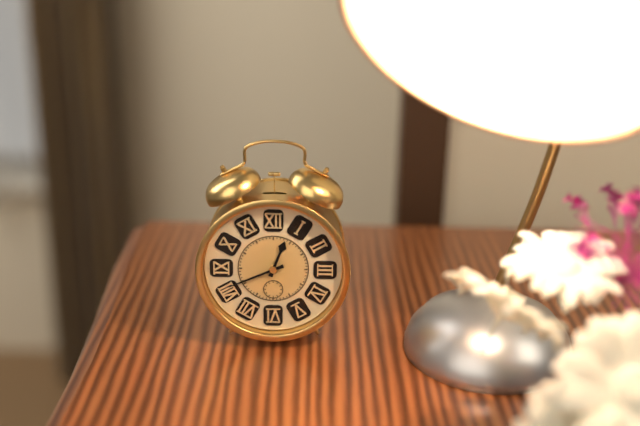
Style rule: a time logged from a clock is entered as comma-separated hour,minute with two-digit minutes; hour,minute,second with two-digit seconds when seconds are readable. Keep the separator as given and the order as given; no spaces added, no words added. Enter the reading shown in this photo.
12,41
